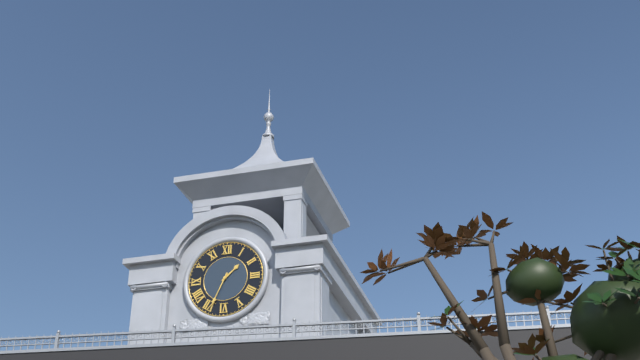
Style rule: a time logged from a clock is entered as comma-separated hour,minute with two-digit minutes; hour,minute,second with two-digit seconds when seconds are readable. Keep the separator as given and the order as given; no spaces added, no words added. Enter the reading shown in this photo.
1,34
